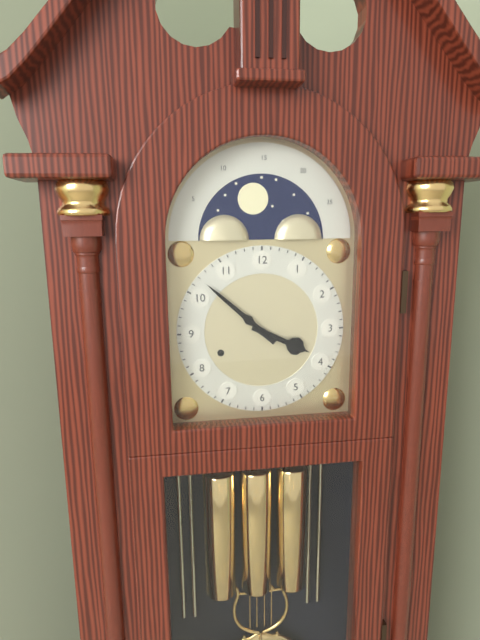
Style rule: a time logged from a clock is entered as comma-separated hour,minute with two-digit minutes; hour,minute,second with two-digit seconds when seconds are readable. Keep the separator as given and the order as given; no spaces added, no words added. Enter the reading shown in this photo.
3,52
